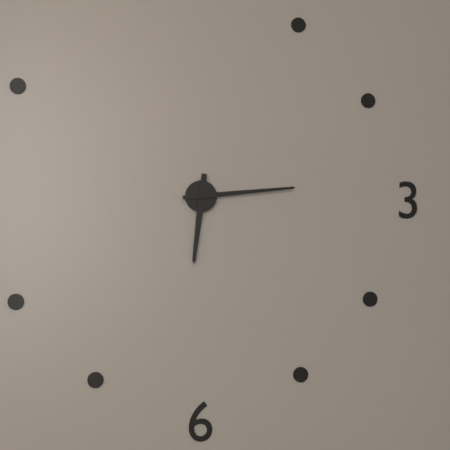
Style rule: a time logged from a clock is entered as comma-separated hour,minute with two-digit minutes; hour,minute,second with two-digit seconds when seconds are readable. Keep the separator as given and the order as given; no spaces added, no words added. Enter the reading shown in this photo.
6,14
